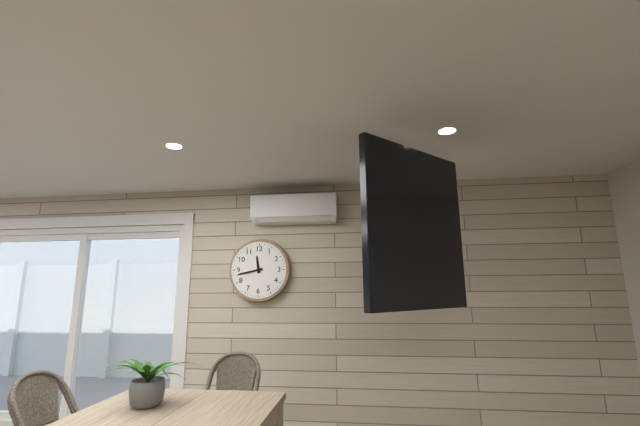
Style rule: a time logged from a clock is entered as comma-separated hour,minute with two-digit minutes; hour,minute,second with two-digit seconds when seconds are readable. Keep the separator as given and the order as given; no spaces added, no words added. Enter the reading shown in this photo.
11,43
